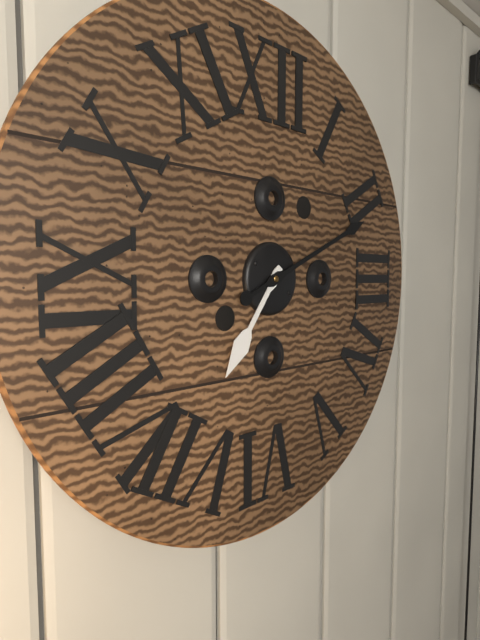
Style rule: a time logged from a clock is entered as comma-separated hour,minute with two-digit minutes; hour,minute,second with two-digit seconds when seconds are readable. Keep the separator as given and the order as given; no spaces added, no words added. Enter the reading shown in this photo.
7,11
